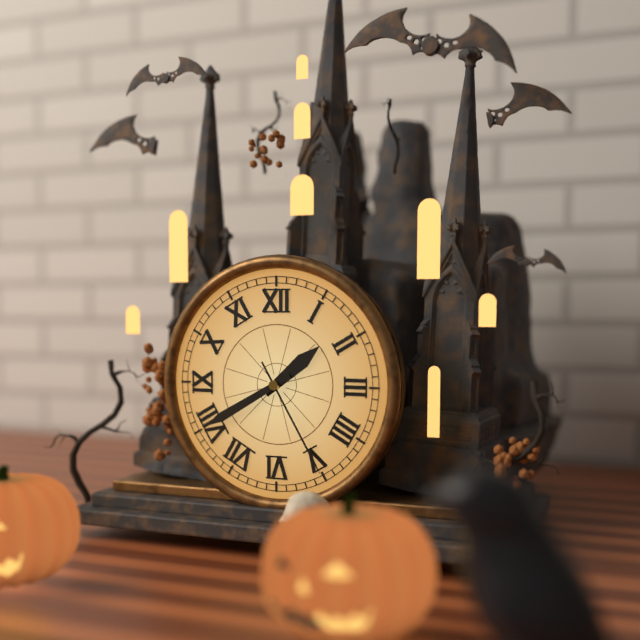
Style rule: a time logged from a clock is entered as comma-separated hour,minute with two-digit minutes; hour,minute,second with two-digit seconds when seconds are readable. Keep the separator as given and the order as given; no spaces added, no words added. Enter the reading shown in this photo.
1,40,25
